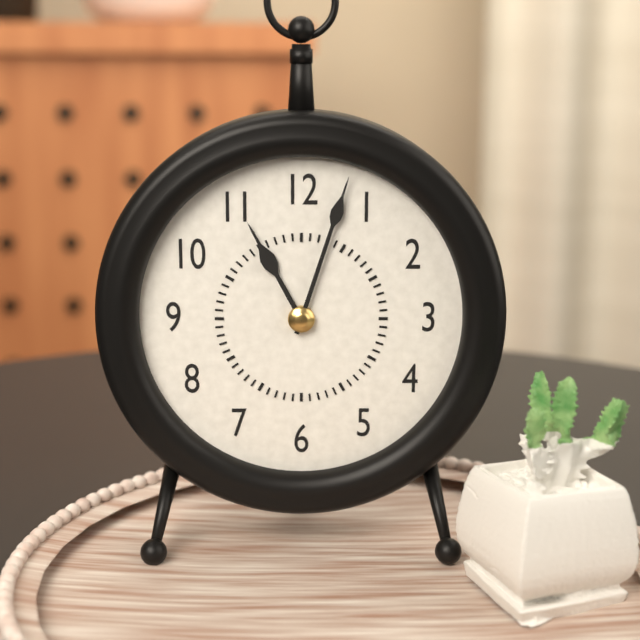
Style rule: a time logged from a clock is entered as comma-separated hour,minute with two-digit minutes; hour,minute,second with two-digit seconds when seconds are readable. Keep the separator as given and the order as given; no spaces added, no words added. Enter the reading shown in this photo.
11,03
